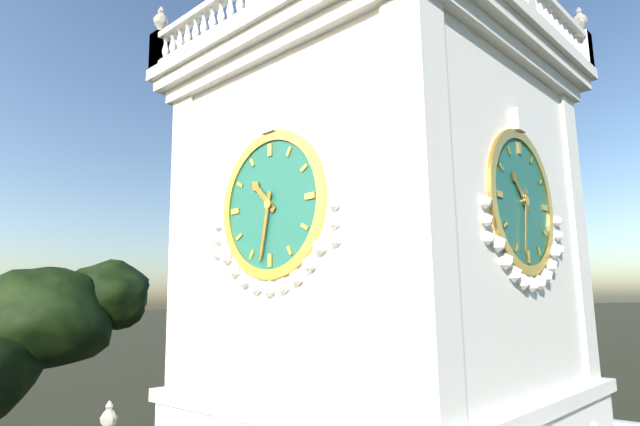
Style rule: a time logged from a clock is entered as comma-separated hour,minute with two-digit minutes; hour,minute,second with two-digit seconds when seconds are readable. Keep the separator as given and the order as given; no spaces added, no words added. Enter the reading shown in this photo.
10,32
